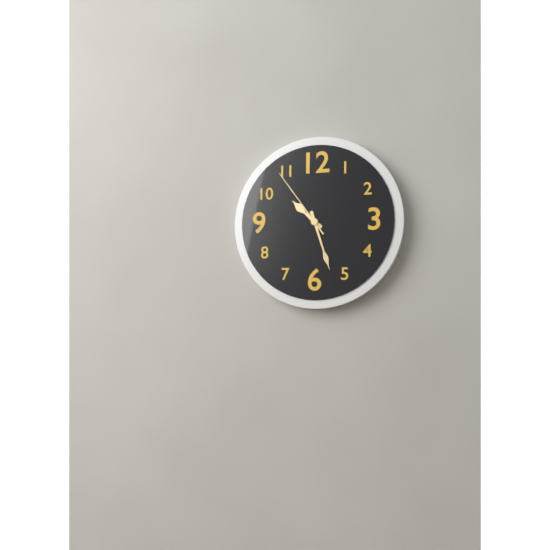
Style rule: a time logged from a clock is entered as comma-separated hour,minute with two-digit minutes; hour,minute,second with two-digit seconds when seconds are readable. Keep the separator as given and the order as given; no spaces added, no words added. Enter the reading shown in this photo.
10,27,54
